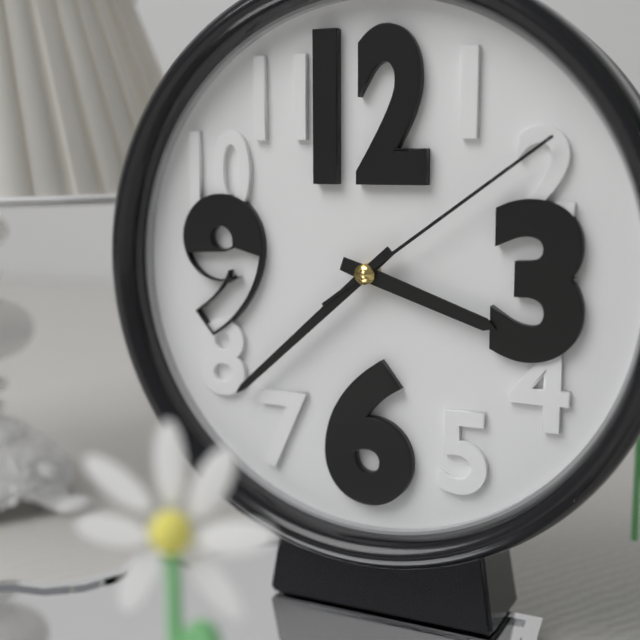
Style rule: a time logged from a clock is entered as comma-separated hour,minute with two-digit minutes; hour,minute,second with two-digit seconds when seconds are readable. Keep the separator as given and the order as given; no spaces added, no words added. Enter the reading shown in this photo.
3,38,09
